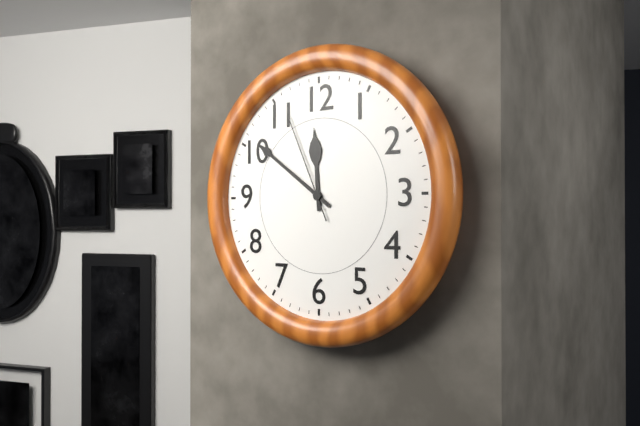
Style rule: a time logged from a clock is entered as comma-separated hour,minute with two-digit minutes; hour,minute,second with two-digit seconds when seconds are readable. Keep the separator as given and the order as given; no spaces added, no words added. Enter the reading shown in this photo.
11,51,56
